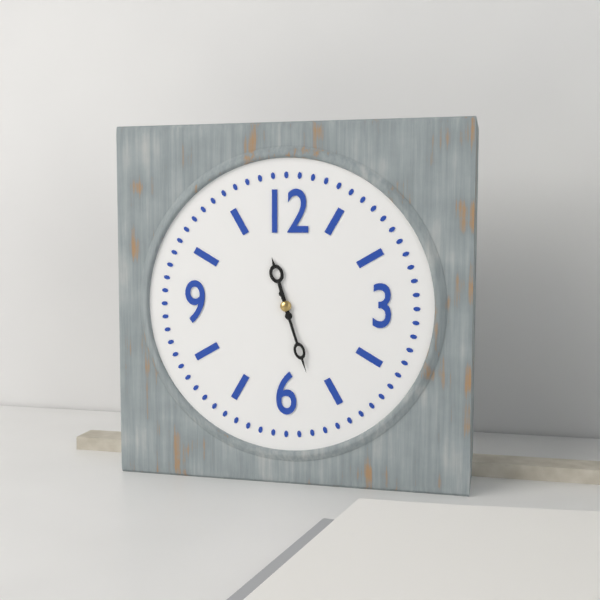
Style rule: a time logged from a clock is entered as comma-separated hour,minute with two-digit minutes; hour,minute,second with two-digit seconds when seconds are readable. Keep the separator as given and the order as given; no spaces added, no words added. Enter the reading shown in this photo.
11,27
